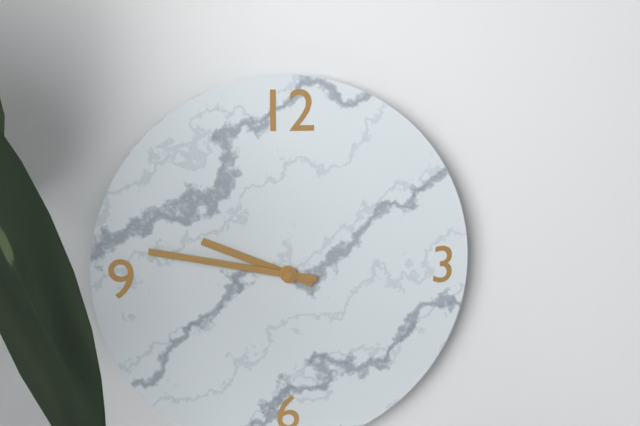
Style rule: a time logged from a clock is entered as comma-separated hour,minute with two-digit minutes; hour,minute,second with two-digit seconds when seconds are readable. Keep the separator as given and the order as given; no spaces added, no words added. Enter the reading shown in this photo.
9,47
